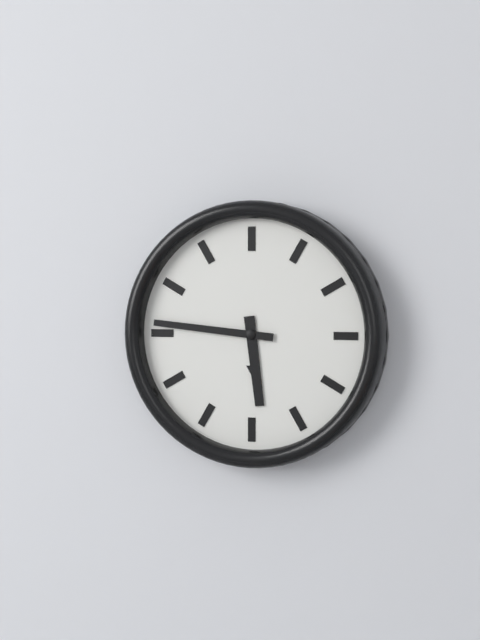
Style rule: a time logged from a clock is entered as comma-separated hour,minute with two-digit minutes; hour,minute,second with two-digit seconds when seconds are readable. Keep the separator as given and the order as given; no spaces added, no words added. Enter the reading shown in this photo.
5,46
